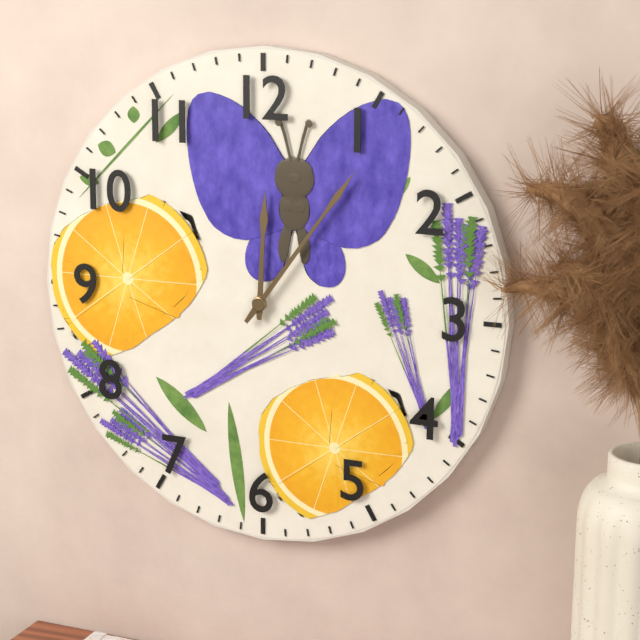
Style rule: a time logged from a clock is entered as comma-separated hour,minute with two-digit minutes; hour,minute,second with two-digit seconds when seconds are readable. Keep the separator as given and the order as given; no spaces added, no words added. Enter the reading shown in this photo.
12,06
